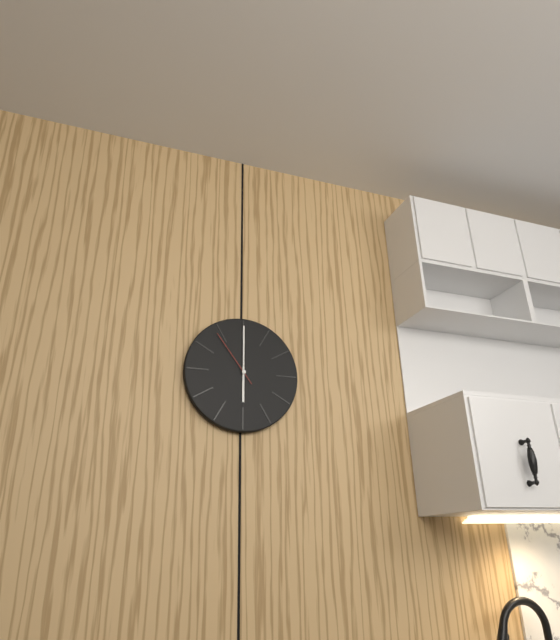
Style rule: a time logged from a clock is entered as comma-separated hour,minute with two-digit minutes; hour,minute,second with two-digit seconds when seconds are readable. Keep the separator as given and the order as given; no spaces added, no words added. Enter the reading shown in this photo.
6,00,54
